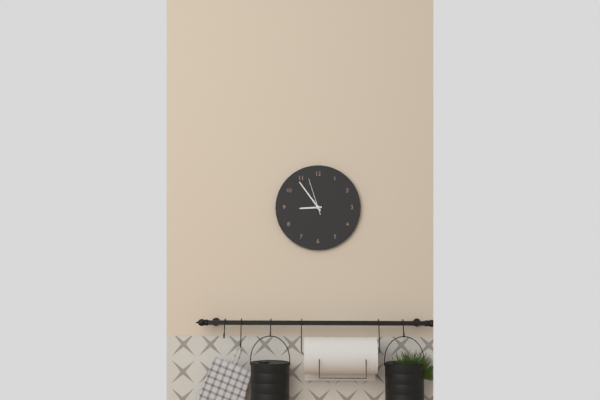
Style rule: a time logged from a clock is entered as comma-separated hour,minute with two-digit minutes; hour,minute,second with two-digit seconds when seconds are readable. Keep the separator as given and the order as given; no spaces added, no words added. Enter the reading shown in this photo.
8,54
